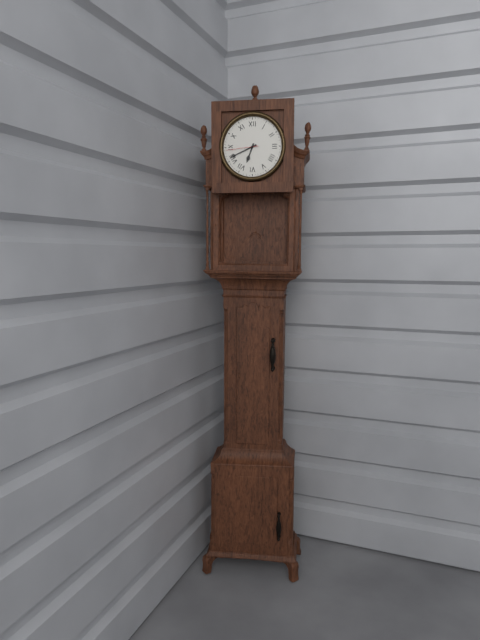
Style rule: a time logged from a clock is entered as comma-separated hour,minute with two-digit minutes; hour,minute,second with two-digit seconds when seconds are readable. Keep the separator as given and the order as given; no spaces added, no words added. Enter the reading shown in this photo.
6,41
